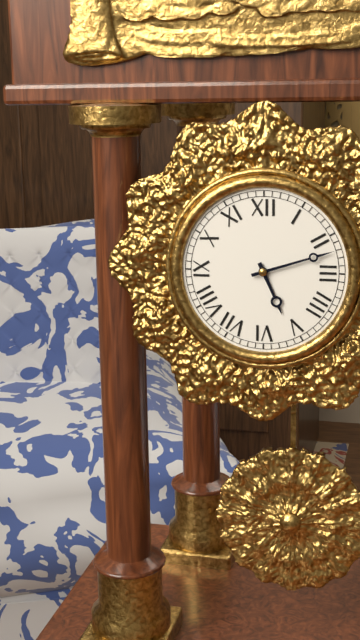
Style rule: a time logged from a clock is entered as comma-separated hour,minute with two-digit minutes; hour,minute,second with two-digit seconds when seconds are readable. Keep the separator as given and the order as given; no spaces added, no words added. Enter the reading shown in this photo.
5,12
